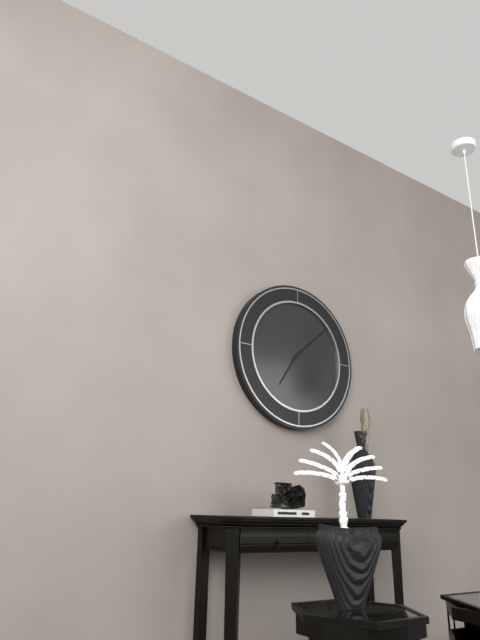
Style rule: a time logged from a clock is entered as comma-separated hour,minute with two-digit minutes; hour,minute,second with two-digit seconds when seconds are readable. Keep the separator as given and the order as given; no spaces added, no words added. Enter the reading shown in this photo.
7,08
